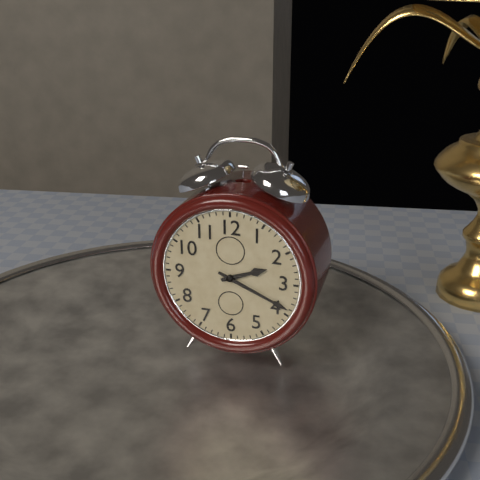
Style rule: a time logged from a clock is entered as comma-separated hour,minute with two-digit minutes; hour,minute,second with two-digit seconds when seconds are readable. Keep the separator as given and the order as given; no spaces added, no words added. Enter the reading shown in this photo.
2,19
